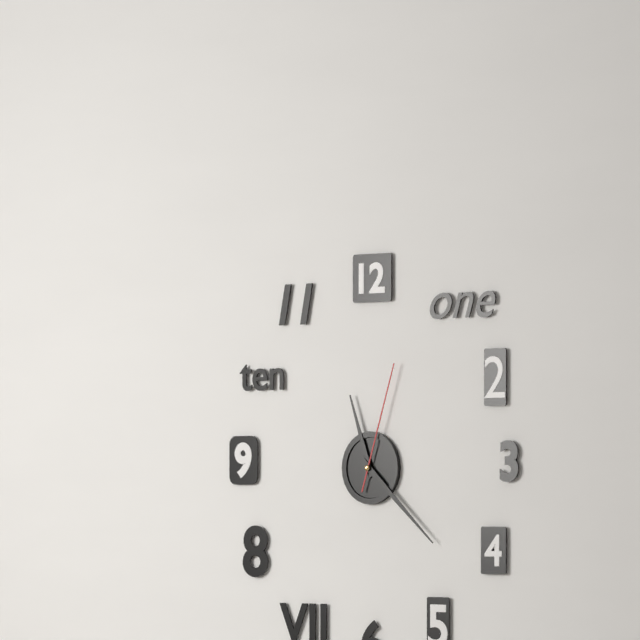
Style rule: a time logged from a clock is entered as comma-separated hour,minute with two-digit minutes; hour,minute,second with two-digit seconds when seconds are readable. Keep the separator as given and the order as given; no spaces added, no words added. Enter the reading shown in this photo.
11,22,03
